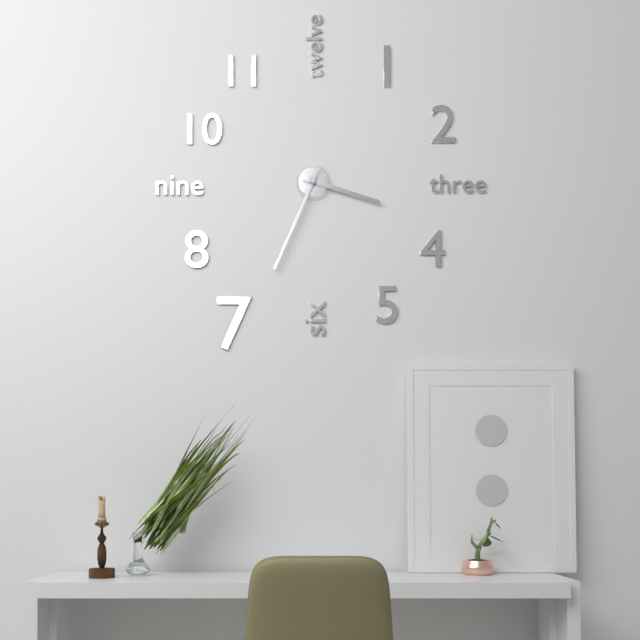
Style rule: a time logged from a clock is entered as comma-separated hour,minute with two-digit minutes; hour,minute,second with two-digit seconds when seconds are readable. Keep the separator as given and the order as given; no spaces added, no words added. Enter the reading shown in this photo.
3,34
